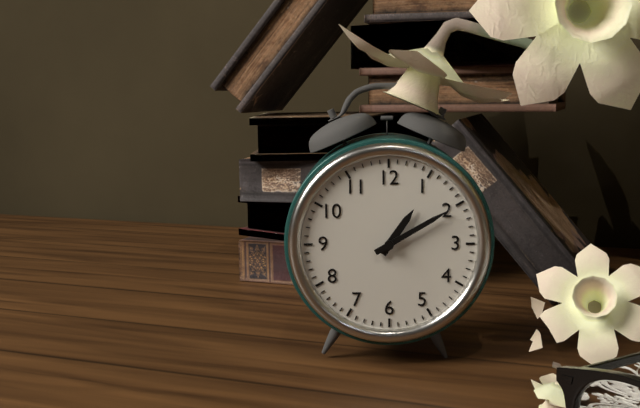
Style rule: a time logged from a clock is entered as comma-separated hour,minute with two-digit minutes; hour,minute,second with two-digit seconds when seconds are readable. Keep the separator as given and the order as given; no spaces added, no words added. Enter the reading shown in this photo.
1,10
